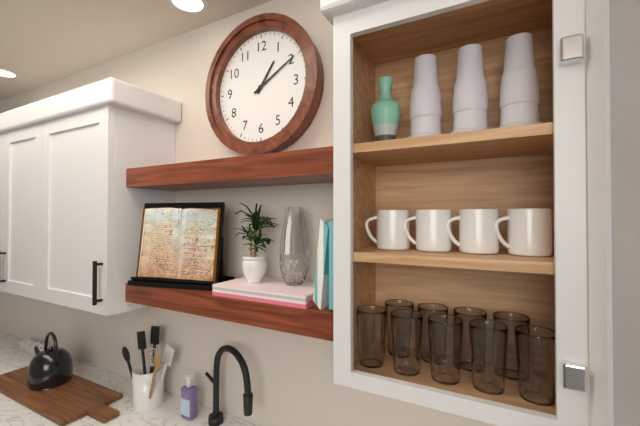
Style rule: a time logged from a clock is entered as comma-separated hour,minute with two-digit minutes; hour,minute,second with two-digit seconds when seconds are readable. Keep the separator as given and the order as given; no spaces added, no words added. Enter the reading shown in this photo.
1,10
